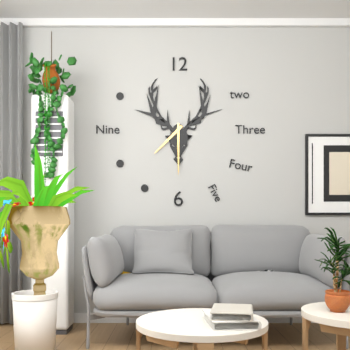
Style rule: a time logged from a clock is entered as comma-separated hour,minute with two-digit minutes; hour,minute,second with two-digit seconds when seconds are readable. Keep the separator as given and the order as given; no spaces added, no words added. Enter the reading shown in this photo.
7,30
